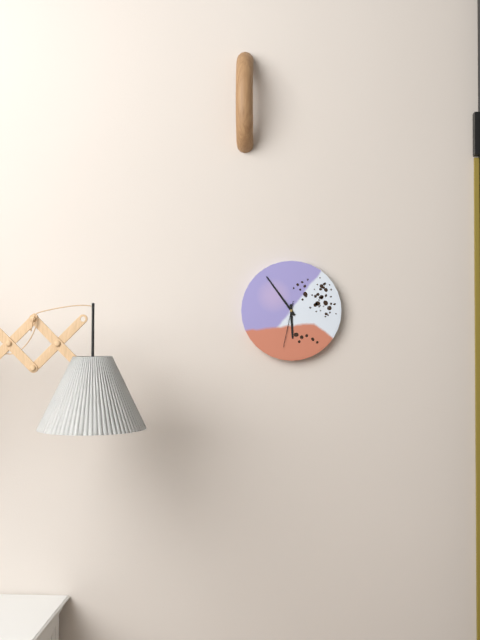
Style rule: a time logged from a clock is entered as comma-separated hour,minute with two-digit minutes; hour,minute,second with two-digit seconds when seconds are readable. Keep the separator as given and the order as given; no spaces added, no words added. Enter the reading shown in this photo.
5,54
